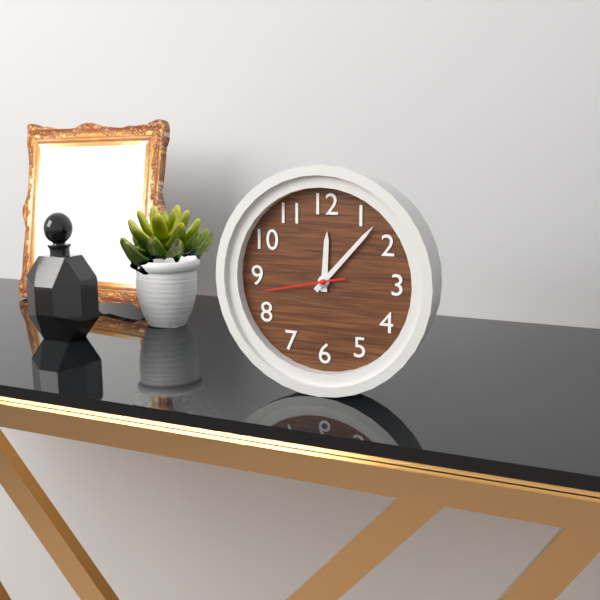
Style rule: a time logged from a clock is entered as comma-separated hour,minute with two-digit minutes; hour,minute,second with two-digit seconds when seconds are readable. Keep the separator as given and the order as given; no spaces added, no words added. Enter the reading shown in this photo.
12,07,43
